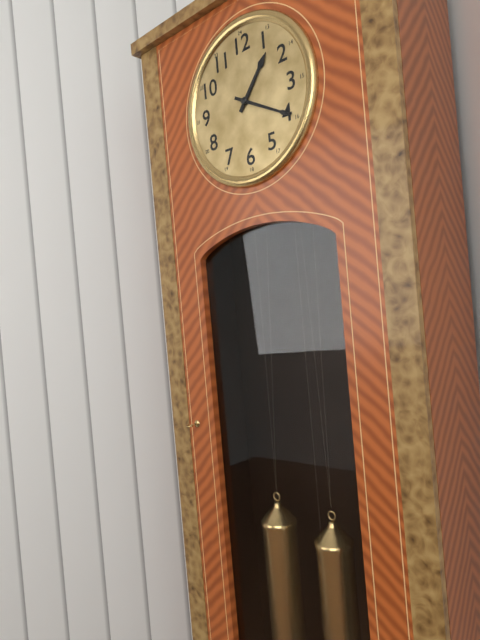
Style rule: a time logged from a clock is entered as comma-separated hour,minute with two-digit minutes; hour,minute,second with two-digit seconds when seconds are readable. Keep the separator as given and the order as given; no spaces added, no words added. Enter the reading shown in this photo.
1,20
